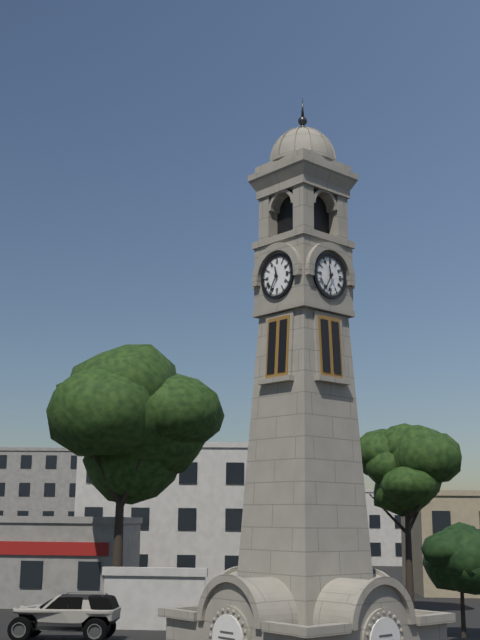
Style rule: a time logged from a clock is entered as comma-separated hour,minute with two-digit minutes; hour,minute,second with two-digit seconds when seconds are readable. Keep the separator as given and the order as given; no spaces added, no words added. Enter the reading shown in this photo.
11,35
